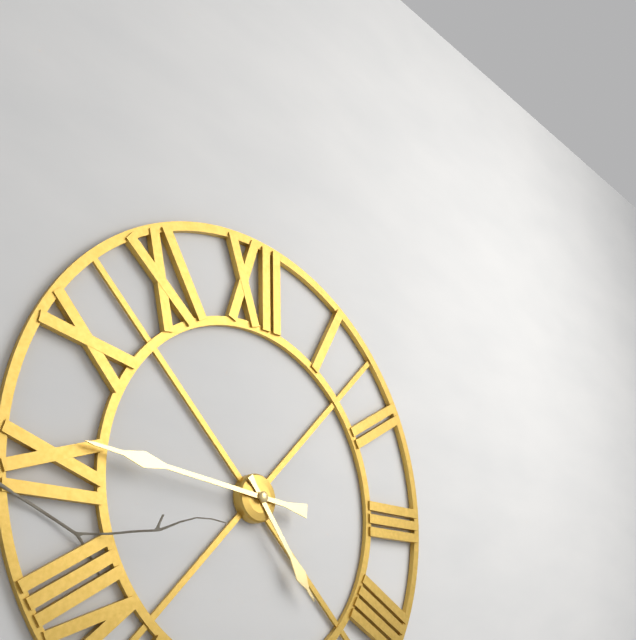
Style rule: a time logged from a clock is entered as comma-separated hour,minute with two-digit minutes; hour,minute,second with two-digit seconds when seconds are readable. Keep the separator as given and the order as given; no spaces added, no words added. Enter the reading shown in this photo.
4,46
